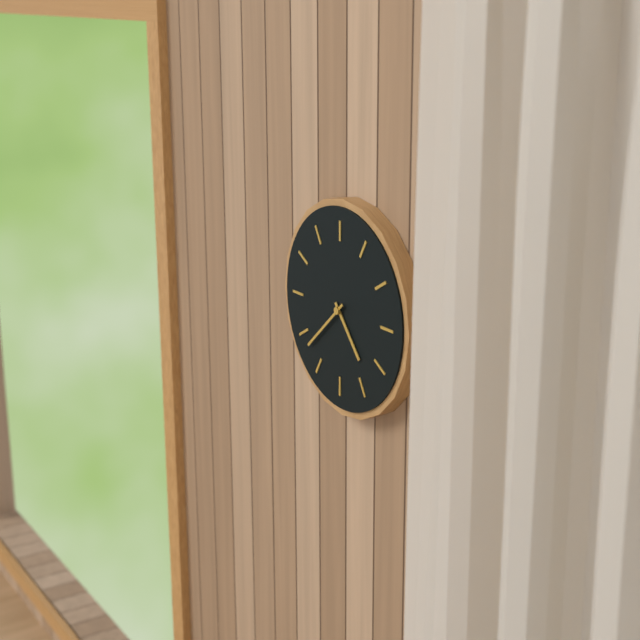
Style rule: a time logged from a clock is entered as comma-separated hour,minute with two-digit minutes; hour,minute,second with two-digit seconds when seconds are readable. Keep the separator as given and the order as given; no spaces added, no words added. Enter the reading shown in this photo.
4,38
